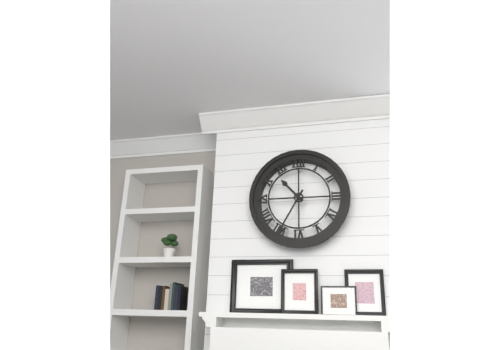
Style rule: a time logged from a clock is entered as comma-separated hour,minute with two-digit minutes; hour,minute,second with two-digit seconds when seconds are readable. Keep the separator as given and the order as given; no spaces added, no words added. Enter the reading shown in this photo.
10,35
